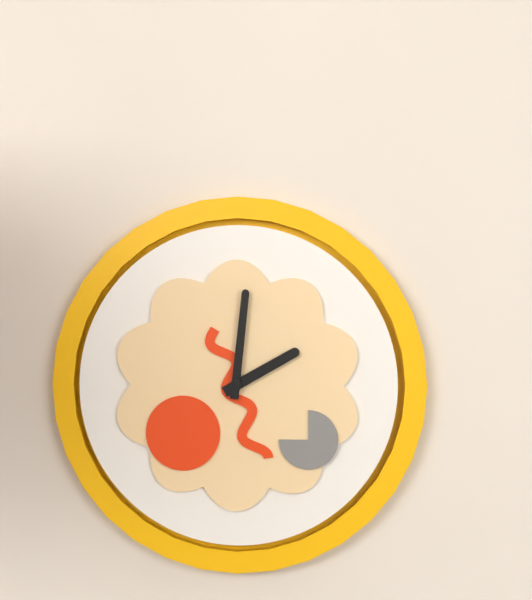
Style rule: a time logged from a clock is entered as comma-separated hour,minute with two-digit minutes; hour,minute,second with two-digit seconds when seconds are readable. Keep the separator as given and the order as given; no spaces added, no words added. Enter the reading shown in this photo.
2,01
